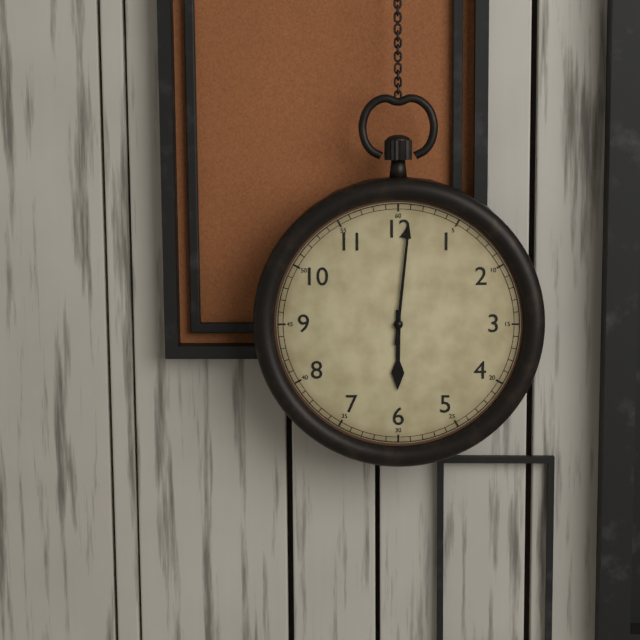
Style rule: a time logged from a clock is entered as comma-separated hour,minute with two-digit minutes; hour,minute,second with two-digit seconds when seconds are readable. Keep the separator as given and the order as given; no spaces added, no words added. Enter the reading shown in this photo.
6,01
